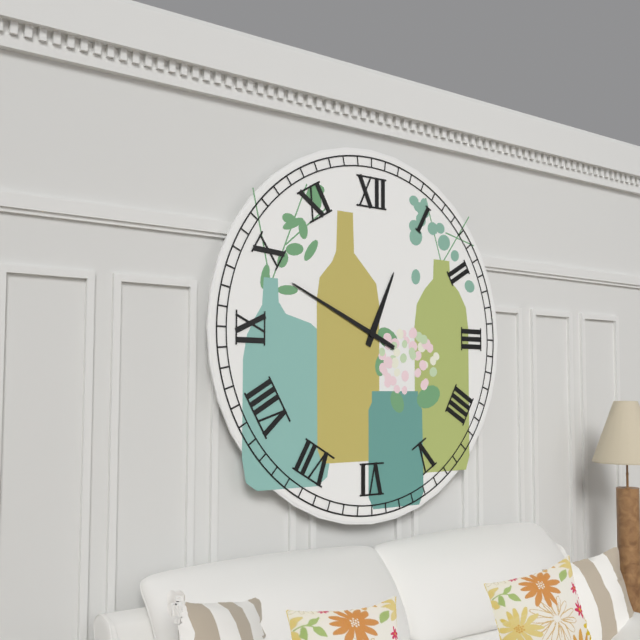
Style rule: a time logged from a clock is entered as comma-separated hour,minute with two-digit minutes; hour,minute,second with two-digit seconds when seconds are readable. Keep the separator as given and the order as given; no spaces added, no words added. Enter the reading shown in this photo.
12,49
